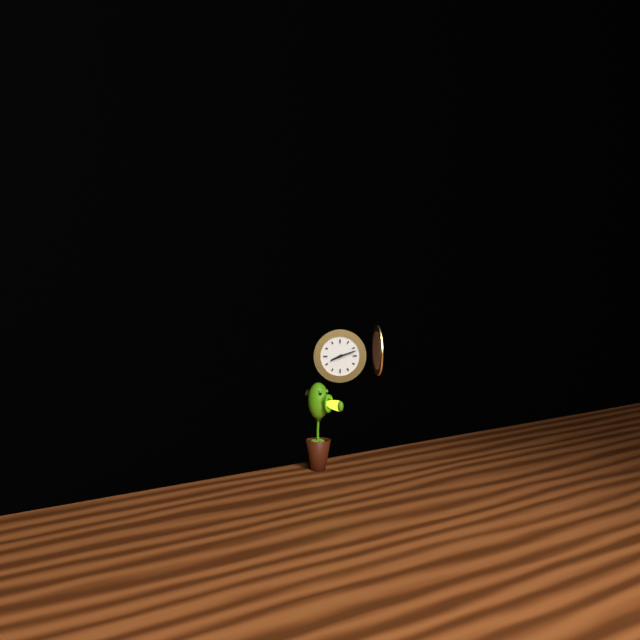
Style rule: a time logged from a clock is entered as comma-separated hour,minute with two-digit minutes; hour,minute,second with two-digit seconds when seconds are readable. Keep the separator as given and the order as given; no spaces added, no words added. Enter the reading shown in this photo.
8,12
